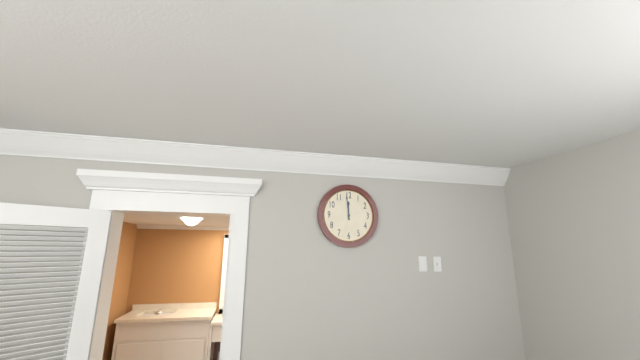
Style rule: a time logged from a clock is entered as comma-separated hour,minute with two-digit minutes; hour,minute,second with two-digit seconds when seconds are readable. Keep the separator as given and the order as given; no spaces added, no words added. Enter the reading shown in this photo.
11,59
